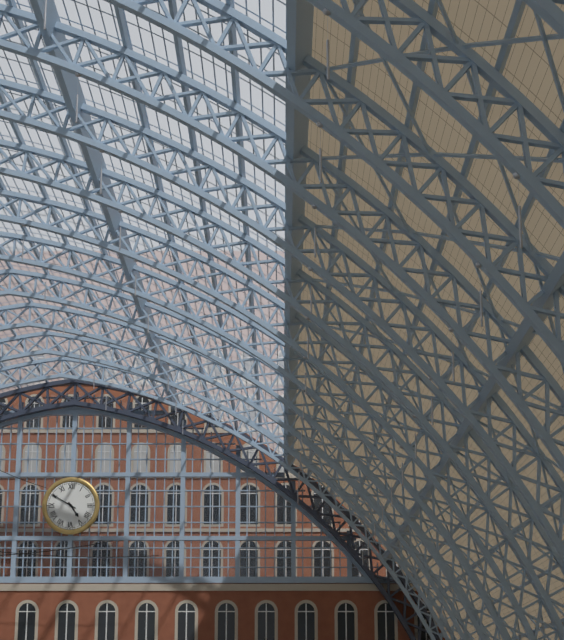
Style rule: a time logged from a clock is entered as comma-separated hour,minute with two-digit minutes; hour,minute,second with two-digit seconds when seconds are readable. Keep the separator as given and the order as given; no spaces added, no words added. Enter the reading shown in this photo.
4,50
